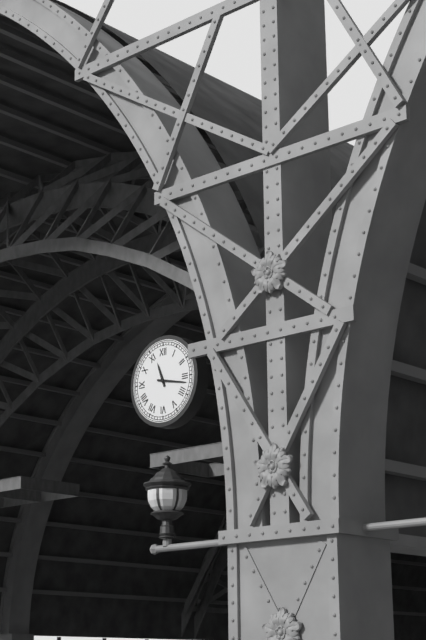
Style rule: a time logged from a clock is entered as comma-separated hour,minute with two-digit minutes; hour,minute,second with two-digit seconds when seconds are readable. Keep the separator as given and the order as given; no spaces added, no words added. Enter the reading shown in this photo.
11,17
